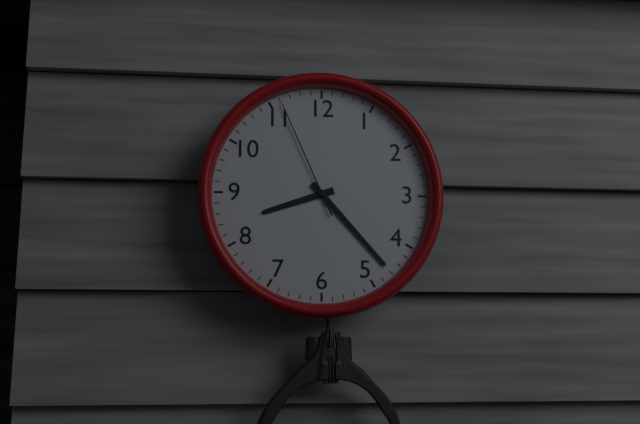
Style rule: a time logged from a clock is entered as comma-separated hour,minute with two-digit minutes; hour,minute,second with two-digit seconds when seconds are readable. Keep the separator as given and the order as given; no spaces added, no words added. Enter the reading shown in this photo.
8,23,56
